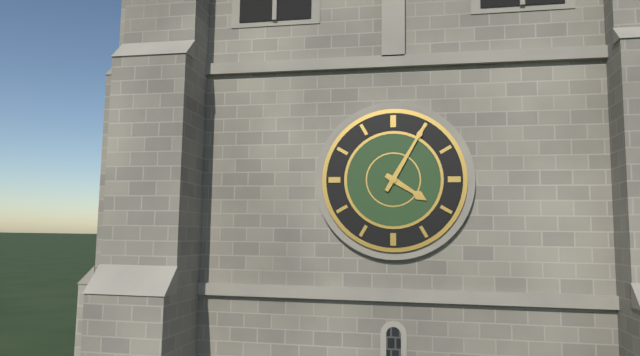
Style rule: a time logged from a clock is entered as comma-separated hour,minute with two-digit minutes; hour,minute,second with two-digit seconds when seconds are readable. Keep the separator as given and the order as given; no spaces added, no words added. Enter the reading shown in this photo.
4,05
